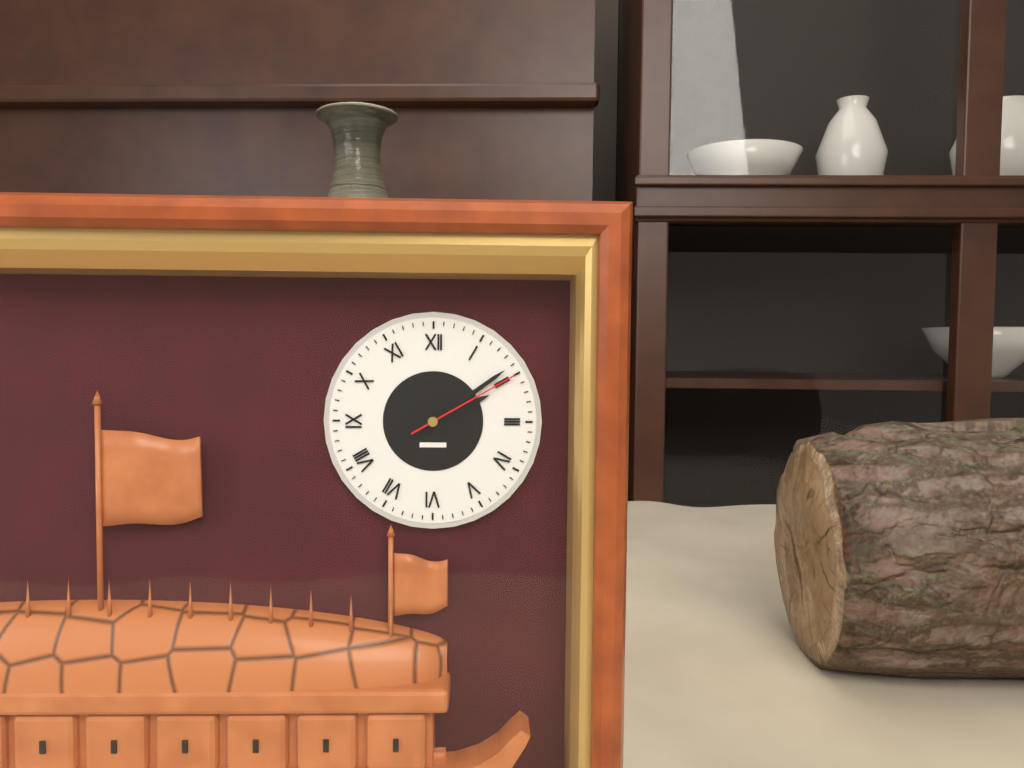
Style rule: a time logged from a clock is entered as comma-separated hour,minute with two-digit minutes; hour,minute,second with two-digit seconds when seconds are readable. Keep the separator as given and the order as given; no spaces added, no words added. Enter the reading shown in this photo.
2,09,10
